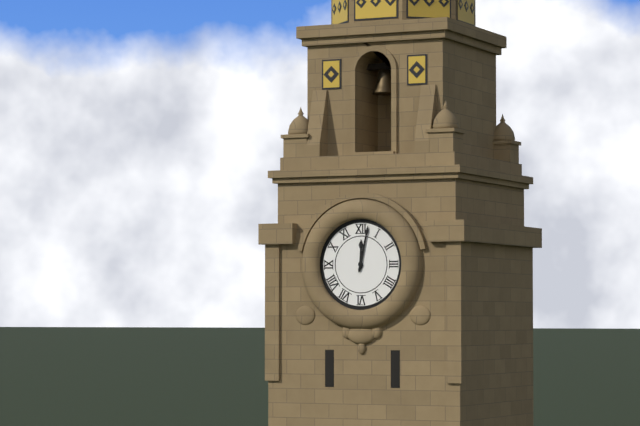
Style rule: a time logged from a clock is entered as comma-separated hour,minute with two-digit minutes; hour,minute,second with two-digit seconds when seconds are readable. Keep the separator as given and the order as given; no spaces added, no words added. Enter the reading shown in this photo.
12,02
